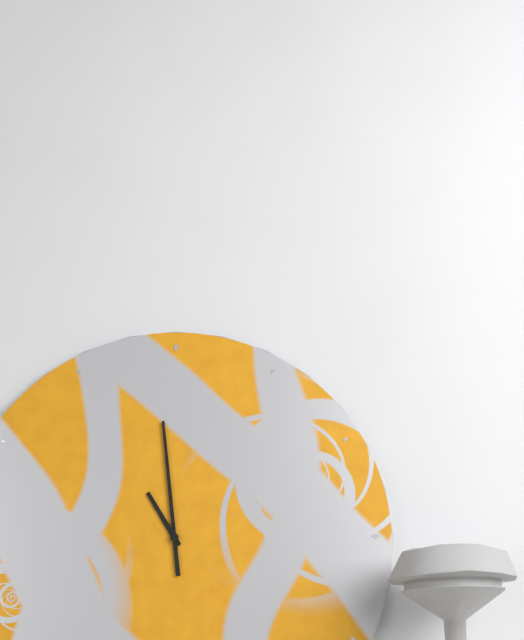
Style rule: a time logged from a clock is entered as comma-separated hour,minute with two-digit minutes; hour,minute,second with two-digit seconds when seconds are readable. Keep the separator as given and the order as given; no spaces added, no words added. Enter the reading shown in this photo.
10,59
